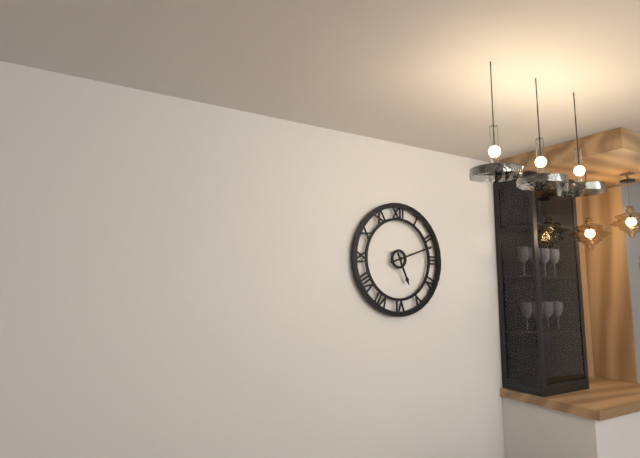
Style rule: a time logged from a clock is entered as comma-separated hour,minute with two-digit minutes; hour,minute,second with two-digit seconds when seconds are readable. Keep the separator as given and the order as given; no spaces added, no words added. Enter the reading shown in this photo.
5,12
